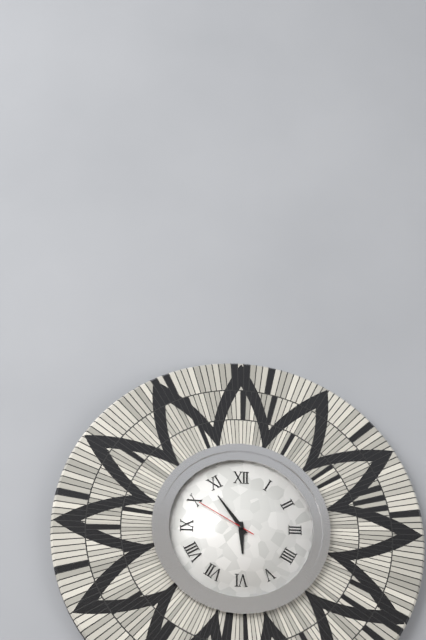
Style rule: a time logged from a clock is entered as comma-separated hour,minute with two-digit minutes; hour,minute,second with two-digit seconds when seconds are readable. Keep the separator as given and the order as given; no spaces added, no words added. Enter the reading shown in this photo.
5,54,50
